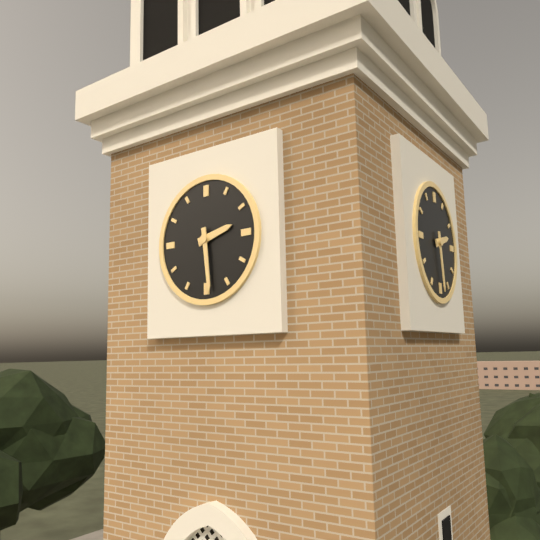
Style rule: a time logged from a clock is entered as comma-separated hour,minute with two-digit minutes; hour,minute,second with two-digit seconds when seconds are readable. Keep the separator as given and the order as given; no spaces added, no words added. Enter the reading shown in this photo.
2,29
